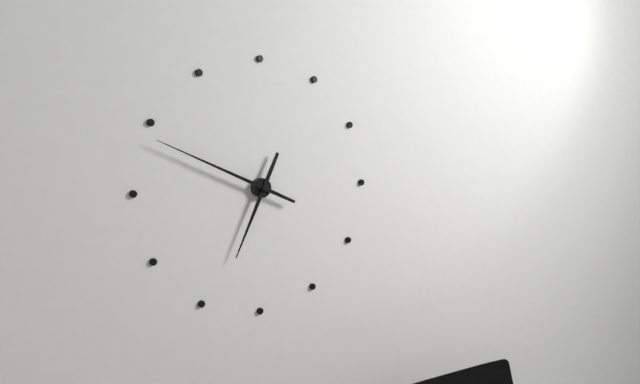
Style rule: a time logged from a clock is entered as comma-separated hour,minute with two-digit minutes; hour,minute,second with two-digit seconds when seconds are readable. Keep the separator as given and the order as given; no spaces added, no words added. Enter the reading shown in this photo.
6,49
